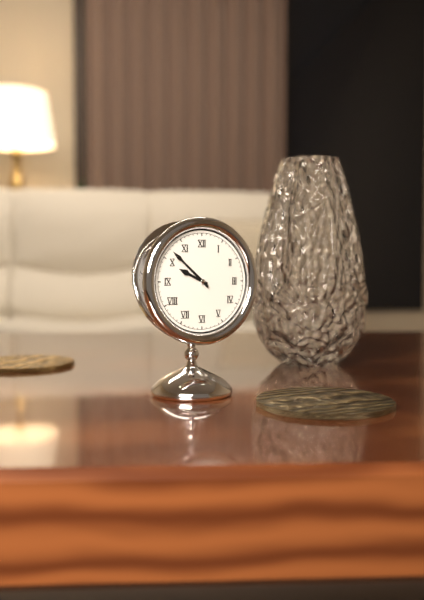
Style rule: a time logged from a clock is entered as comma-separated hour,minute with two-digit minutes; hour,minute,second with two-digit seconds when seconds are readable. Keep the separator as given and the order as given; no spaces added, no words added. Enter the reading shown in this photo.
9,52
